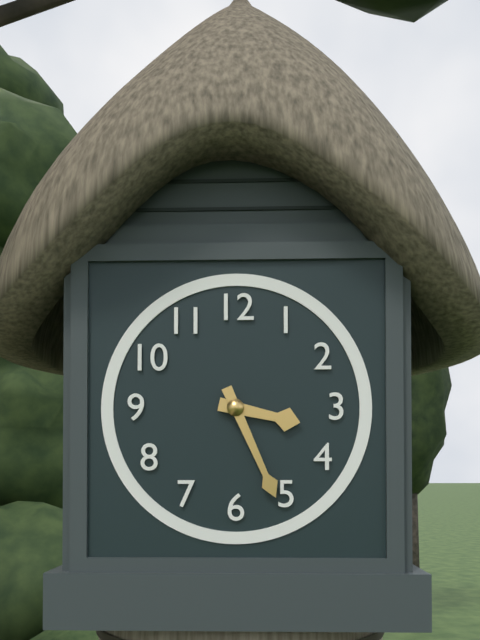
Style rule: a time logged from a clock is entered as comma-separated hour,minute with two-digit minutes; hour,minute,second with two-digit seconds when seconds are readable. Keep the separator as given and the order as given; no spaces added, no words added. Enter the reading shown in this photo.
3,26
